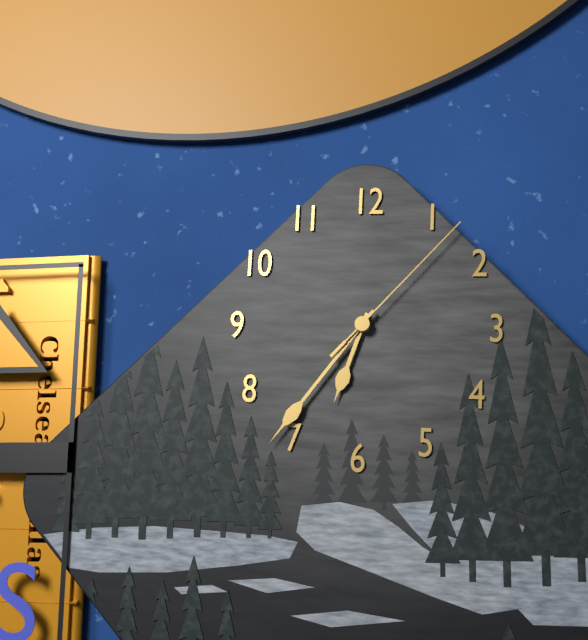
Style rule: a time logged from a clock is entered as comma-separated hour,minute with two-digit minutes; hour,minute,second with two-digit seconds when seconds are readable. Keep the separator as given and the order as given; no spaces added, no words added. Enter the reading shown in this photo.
6,36,07
